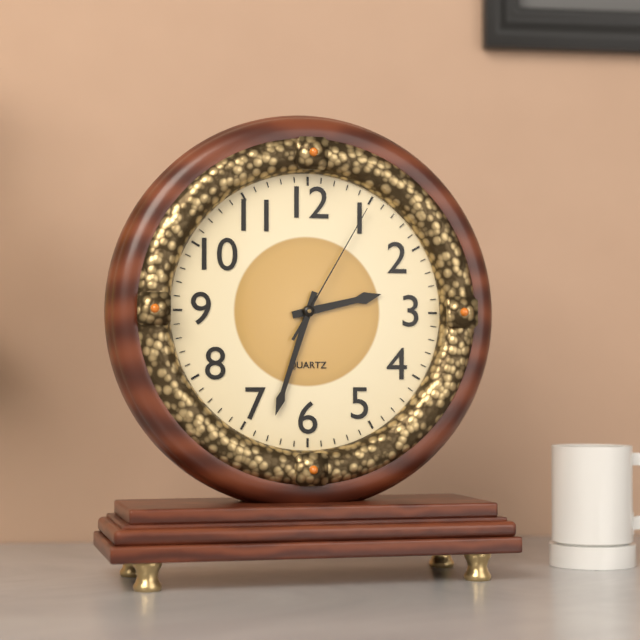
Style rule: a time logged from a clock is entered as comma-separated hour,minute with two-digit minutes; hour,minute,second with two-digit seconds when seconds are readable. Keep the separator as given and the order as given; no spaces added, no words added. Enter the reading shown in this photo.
2,33,05
